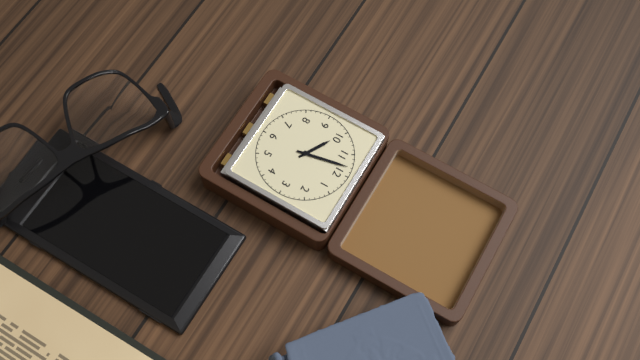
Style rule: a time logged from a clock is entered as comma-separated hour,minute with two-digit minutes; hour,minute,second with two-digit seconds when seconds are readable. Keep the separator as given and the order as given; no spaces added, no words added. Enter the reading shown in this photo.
9,58
